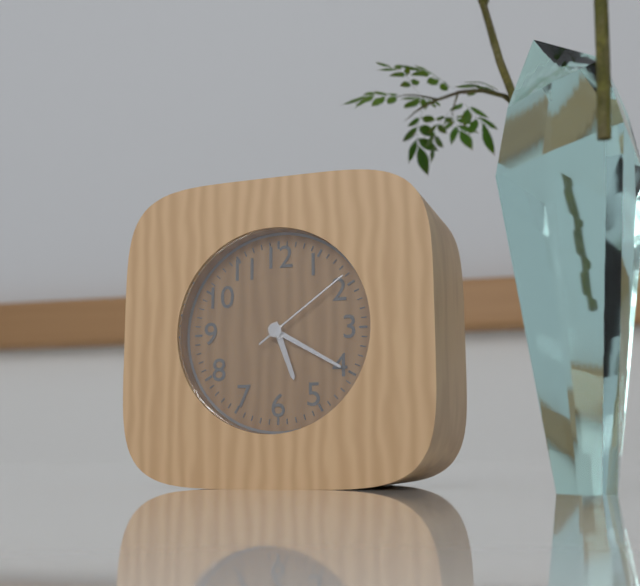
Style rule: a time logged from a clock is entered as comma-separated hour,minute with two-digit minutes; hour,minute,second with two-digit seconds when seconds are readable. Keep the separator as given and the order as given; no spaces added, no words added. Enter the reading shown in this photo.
5,20,09
